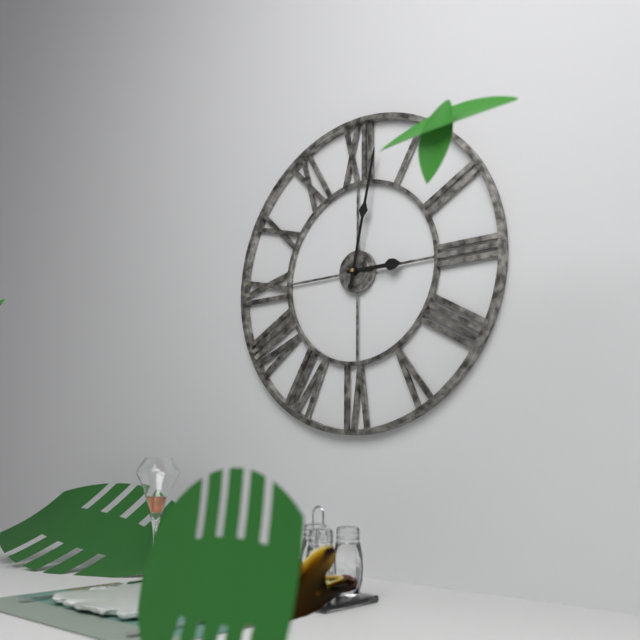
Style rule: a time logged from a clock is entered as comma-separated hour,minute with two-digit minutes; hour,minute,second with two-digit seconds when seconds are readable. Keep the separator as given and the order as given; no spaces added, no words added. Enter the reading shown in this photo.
3,02
